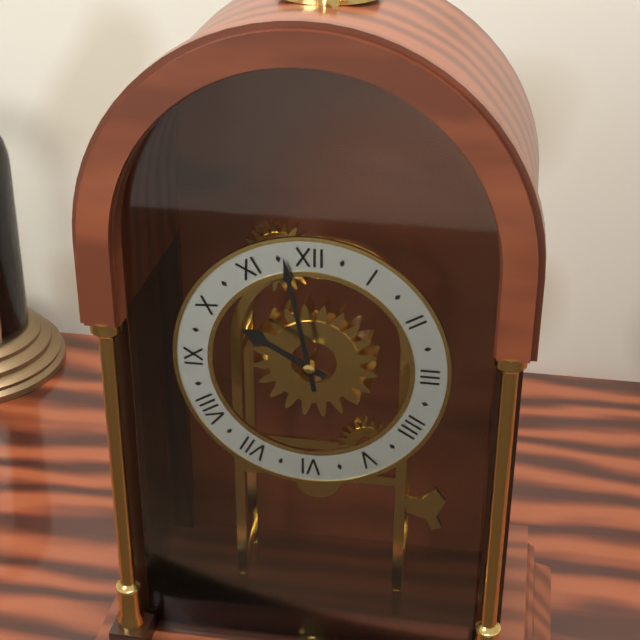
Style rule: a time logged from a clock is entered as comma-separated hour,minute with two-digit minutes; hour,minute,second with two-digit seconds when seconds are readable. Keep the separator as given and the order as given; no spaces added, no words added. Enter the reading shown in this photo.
9,58
